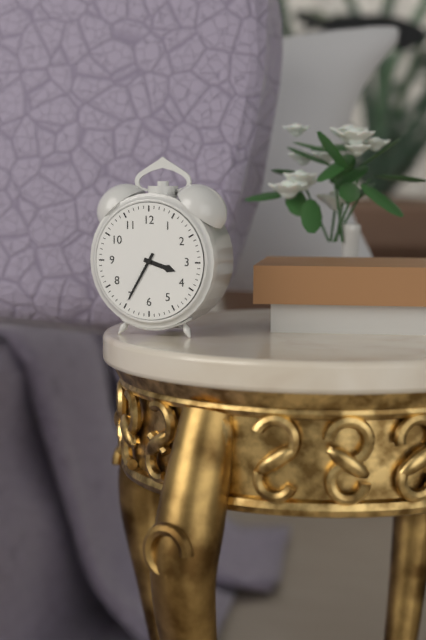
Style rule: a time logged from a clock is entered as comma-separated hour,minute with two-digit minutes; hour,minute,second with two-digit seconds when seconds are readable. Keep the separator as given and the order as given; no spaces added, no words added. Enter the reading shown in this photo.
3,35
